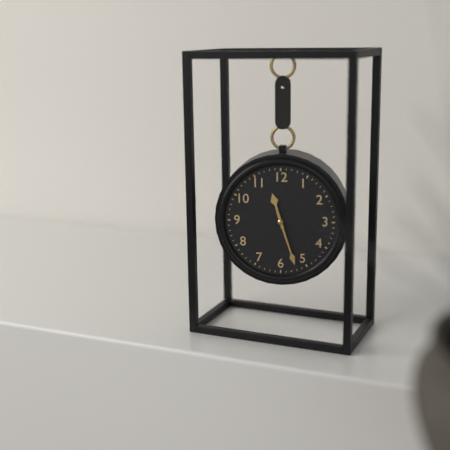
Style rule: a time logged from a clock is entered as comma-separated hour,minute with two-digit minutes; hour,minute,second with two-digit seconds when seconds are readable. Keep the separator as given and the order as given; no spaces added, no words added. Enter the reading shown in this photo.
11,27
